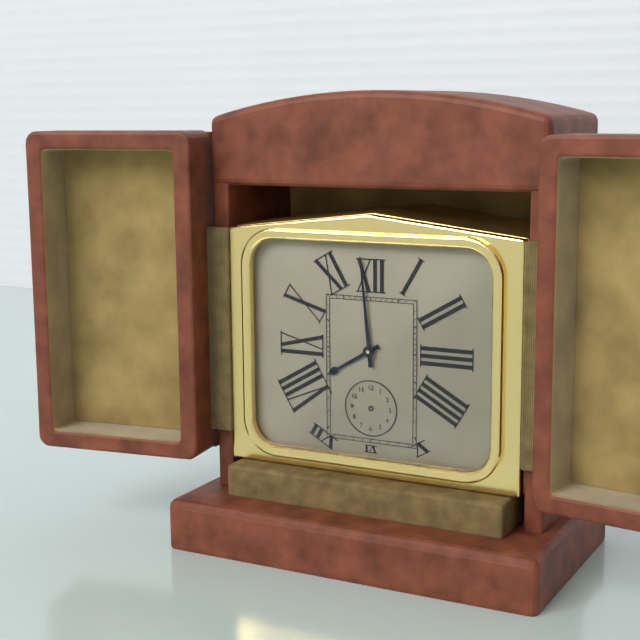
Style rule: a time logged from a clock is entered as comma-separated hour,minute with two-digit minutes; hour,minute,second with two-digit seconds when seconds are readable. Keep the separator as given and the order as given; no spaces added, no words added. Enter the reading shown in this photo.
7,59
